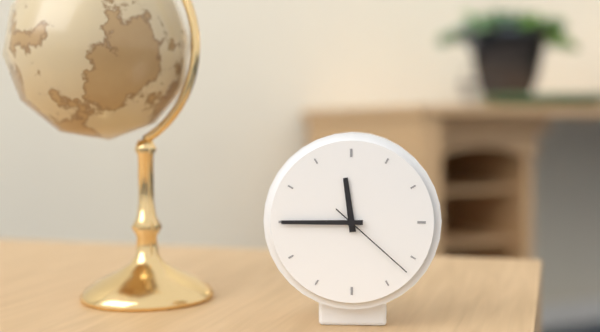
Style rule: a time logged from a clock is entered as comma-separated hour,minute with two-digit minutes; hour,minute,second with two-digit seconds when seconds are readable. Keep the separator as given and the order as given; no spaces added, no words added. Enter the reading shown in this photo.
11,45,22
